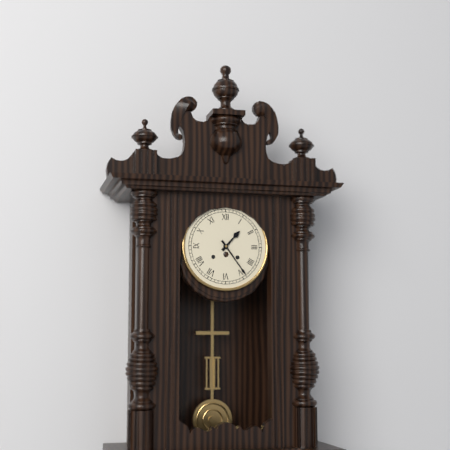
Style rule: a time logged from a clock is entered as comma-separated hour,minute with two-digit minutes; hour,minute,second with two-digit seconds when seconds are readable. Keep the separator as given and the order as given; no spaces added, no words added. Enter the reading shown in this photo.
1,24
